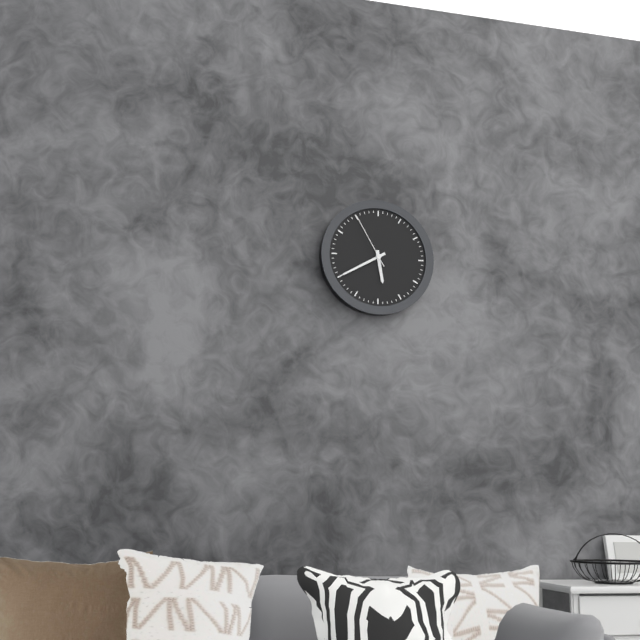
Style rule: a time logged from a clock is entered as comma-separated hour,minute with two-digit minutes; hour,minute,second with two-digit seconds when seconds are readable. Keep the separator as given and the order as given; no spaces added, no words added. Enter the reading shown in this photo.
5,40,55
